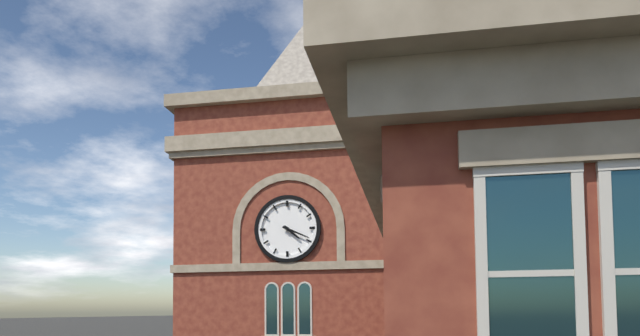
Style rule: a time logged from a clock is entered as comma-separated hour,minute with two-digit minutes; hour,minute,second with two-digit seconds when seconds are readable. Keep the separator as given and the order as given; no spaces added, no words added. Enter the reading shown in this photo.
4,19
